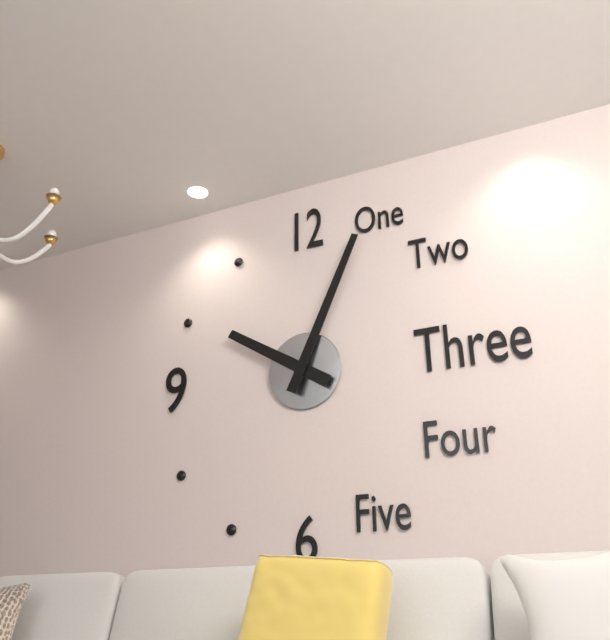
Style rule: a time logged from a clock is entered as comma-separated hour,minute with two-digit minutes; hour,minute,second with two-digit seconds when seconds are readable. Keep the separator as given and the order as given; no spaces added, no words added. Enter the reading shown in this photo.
10,04
